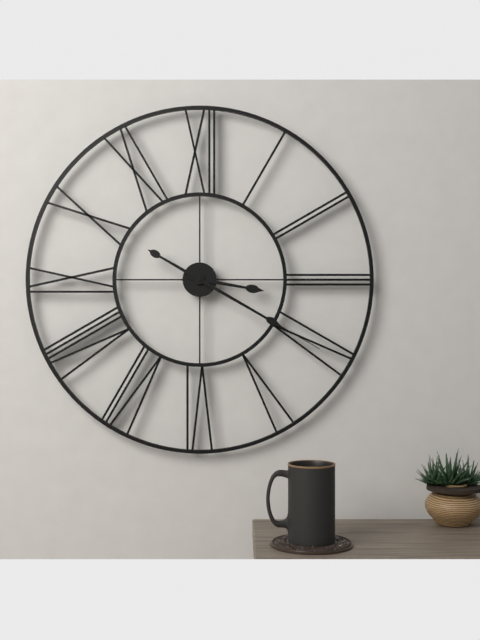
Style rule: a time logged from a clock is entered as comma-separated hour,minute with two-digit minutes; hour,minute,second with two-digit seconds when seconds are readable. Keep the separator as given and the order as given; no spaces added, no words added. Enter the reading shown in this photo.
3,20
